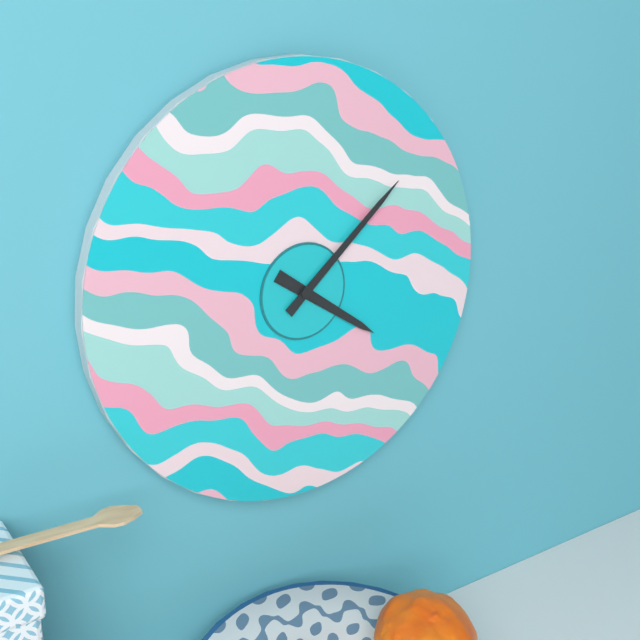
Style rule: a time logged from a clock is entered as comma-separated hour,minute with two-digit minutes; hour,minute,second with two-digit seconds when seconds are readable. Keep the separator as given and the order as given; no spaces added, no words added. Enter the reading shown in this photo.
4,08
